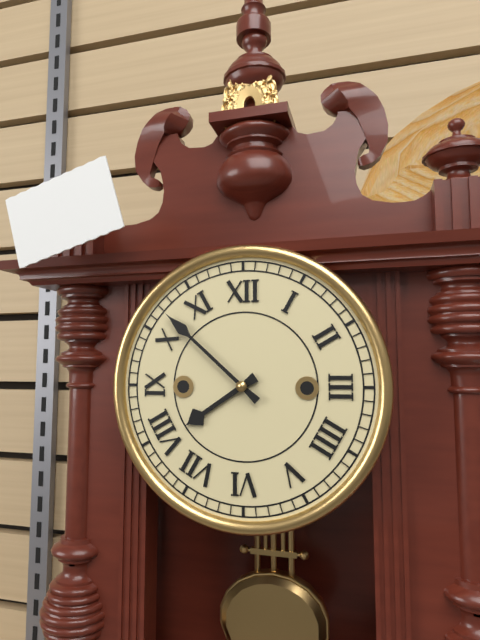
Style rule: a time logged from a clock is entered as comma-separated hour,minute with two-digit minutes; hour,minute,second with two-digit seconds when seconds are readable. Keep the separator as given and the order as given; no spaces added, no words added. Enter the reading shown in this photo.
7,52
